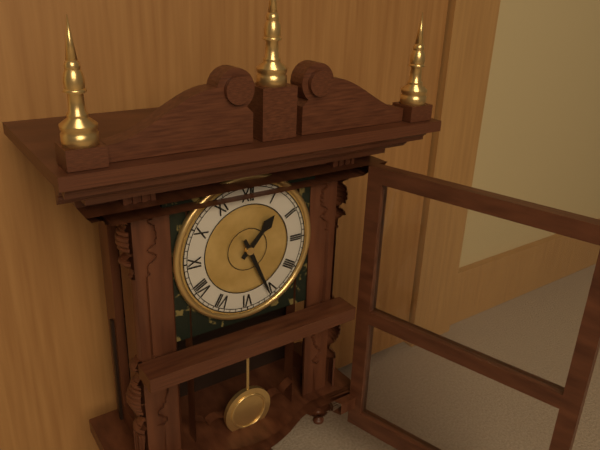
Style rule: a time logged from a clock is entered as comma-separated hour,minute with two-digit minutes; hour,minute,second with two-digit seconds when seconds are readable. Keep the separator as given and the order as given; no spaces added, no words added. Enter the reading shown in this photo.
1,26
